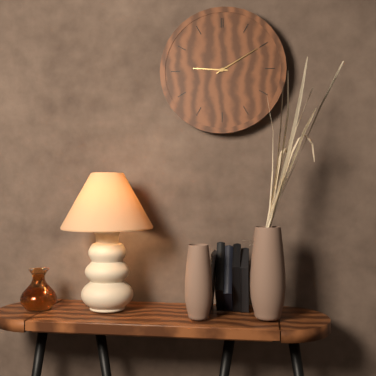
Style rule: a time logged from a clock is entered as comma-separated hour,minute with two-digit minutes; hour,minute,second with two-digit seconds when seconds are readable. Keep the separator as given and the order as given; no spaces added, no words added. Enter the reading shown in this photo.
9,10
